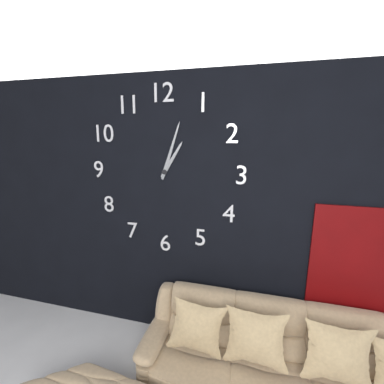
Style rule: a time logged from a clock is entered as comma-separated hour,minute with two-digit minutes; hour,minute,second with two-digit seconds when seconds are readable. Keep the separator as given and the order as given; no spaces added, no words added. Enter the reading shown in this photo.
1,03
